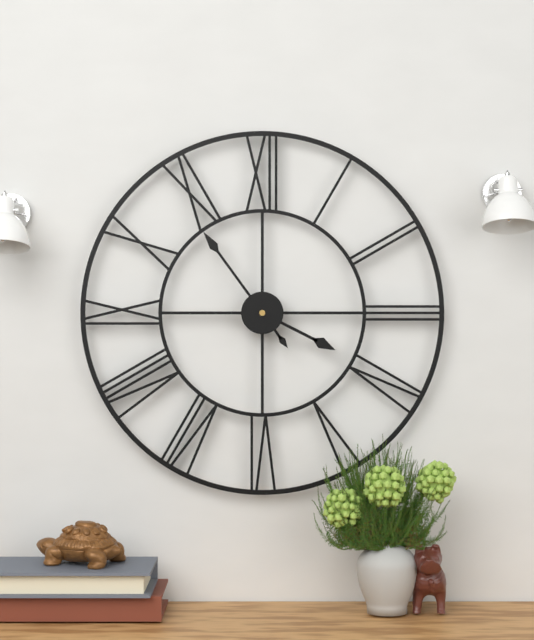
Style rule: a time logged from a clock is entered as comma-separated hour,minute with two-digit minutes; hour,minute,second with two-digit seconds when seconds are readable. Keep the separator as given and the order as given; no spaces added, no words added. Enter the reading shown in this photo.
3,54
